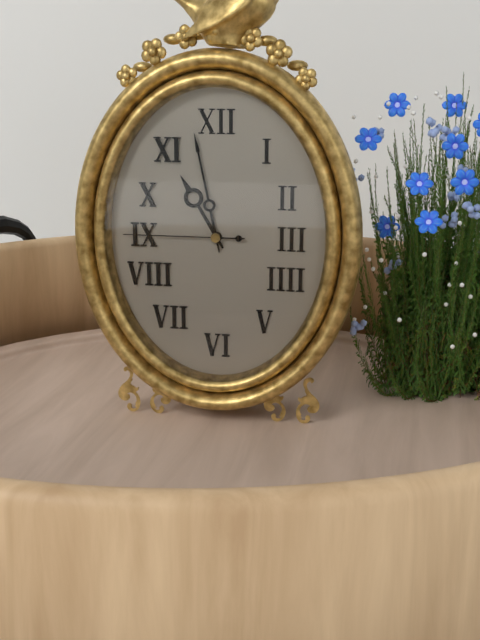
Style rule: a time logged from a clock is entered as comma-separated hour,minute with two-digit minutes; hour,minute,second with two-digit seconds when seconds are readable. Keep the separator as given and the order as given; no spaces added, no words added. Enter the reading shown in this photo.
10,58,45
